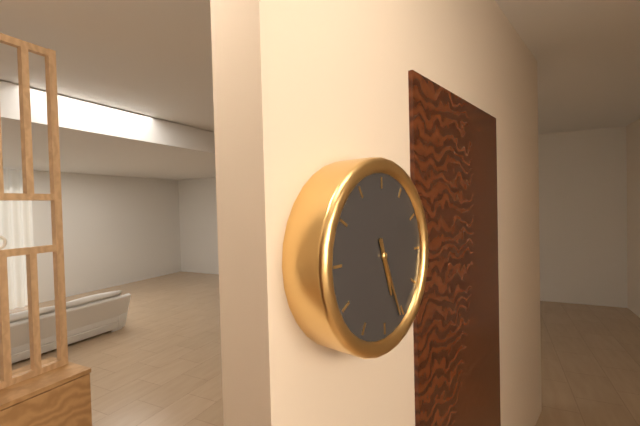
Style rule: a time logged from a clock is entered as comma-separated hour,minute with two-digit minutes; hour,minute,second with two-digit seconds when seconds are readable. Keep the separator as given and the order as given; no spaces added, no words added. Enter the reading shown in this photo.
5,26
